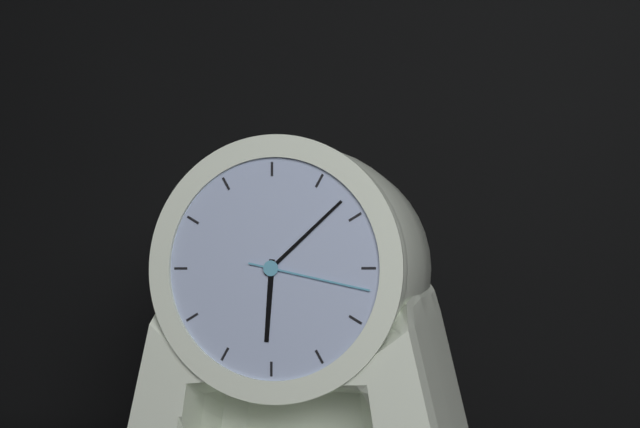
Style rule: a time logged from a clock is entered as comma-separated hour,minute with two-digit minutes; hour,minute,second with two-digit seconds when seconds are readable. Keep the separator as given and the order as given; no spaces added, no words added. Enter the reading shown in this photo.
6,08,17
